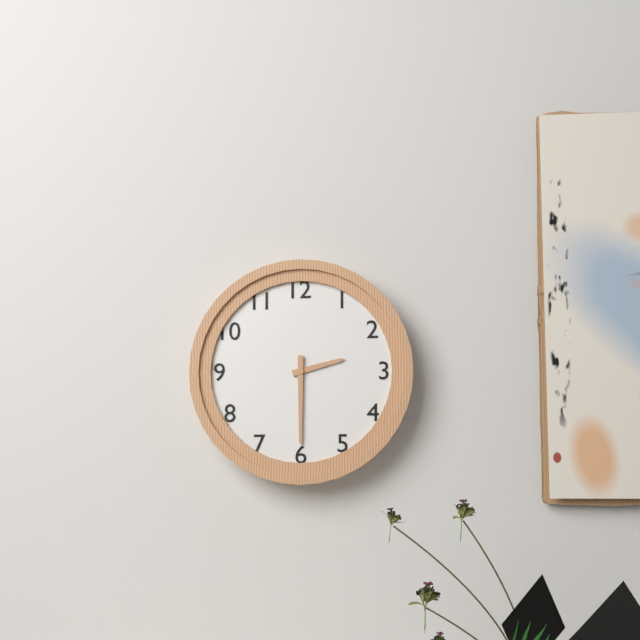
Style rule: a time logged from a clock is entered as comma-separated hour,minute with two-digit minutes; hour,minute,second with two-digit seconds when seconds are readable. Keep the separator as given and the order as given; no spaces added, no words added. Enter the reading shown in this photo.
2,30
